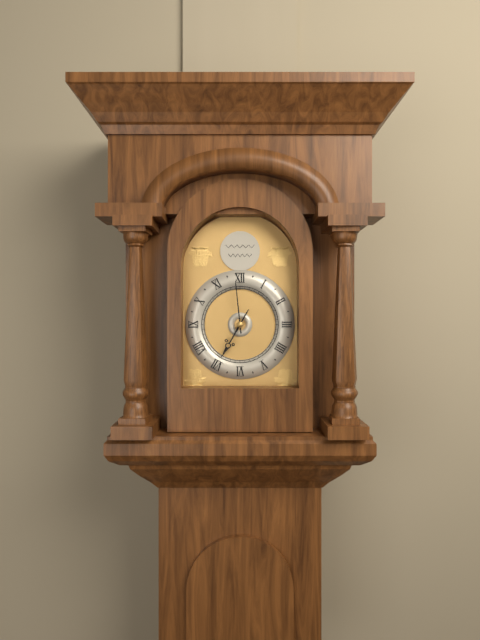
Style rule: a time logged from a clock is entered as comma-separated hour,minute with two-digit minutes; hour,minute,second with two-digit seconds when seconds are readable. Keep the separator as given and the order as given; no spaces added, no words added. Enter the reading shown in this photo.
6,59
